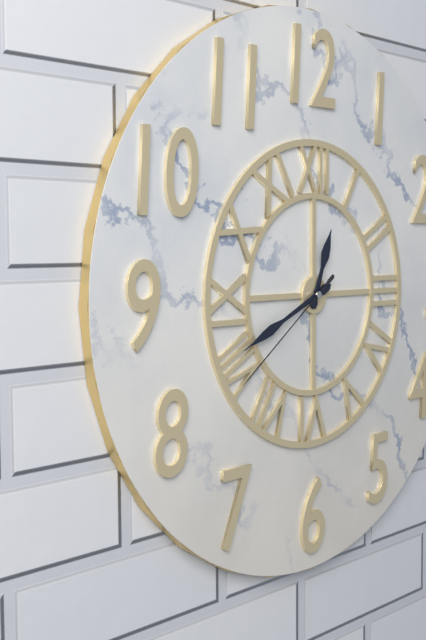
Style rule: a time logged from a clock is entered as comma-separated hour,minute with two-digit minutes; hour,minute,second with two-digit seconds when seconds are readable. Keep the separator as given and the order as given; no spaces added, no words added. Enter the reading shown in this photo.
12,41,39
